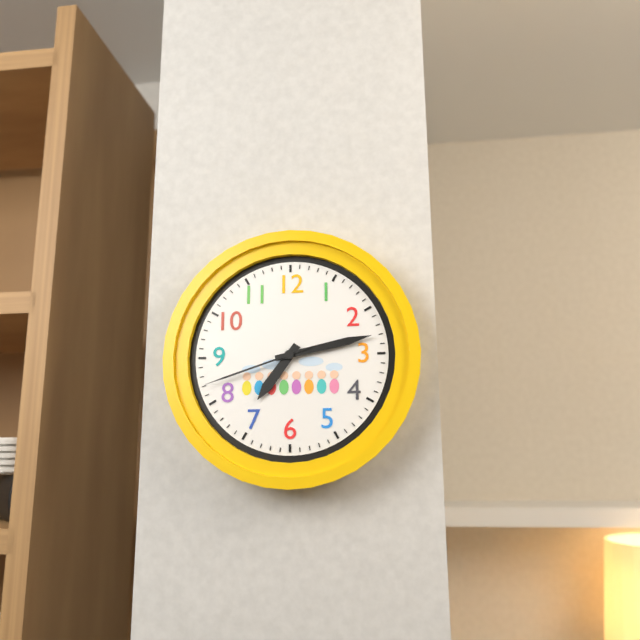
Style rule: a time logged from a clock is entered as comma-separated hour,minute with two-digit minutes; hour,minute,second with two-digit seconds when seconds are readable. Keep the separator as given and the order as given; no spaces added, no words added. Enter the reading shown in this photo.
7,13,42
